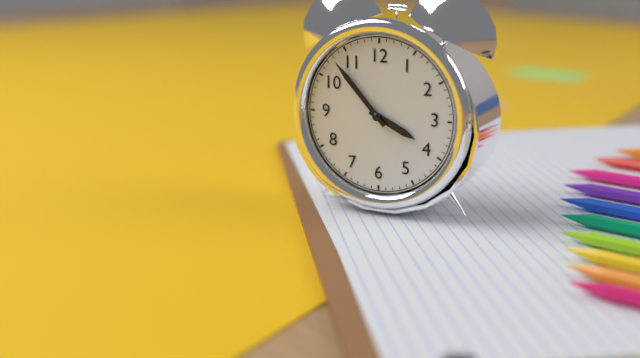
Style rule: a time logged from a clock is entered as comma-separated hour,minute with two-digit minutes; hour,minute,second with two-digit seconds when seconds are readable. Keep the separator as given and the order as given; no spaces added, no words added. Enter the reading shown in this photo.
3,53
